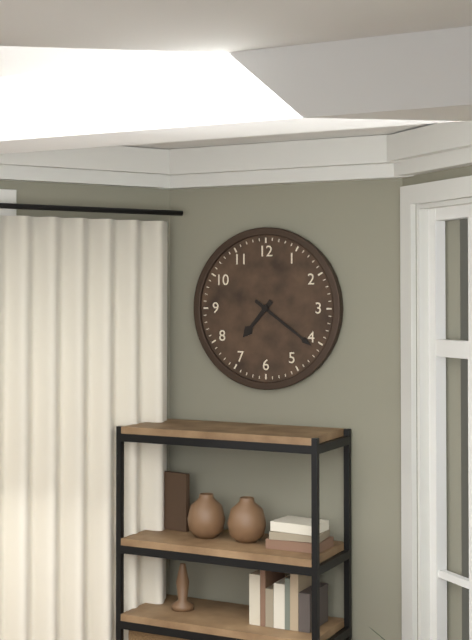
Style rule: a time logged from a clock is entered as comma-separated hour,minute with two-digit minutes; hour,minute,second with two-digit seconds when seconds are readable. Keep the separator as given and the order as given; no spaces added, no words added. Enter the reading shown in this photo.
7,21
